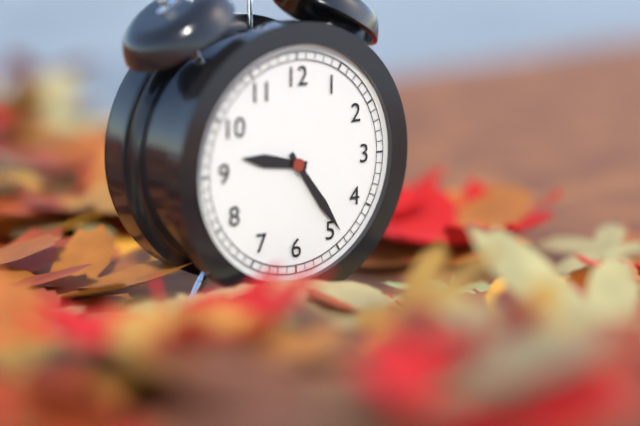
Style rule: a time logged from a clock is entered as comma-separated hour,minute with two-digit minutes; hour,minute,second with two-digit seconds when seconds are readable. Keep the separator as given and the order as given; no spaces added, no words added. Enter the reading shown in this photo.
9,24
